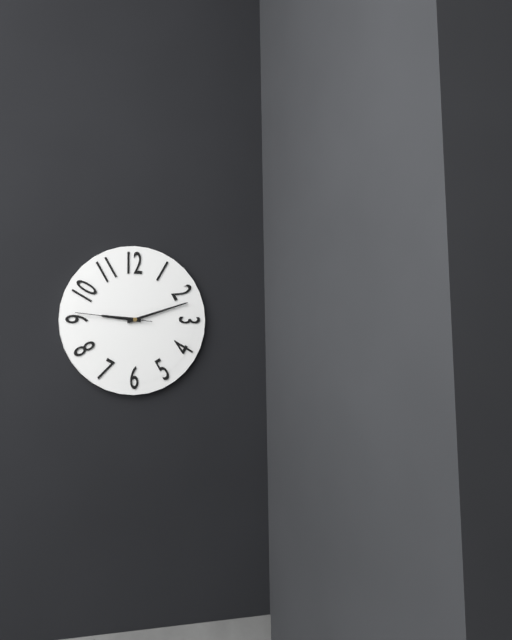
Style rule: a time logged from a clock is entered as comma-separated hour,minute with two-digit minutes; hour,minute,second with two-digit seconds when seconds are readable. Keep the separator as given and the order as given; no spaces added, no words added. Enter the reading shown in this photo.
9,12,46
